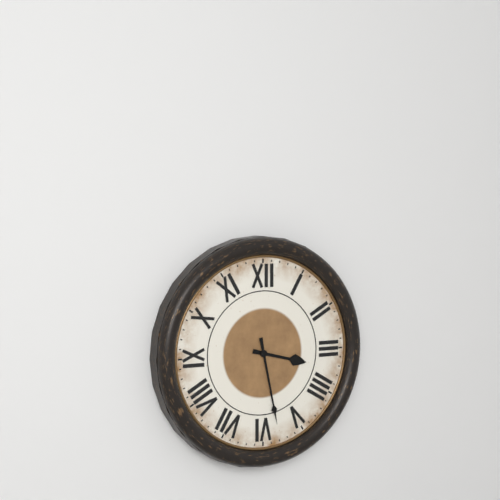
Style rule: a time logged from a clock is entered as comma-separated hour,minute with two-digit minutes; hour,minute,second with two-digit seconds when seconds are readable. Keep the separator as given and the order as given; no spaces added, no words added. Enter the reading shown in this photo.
3,28
